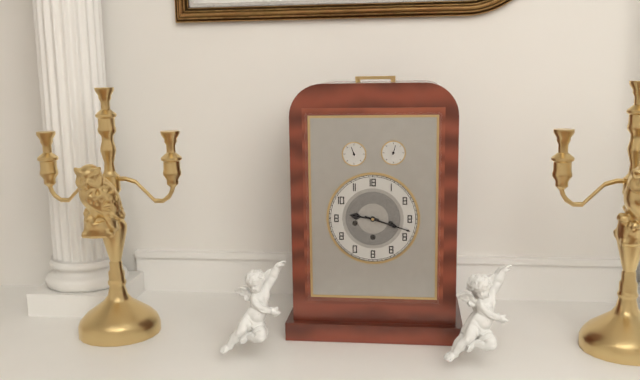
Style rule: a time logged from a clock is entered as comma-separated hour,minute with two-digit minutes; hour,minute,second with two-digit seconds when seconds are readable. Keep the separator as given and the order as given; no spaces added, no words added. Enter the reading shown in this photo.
9,18
